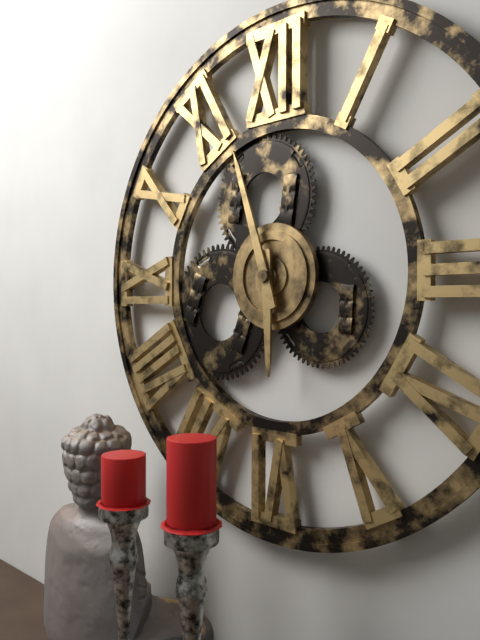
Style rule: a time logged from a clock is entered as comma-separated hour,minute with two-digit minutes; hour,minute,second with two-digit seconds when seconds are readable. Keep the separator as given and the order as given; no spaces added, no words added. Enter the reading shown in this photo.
5,57
